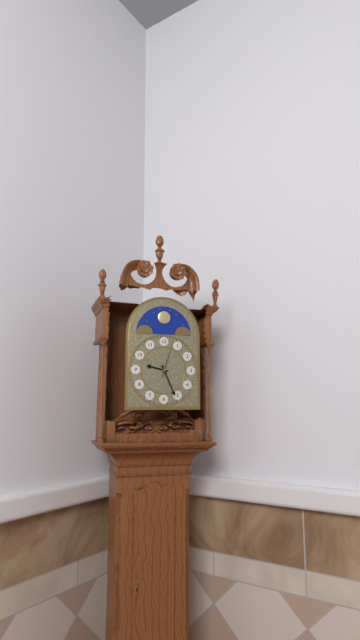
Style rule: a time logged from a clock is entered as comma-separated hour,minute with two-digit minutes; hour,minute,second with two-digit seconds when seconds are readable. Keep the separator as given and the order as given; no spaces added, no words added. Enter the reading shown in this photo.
9,26
